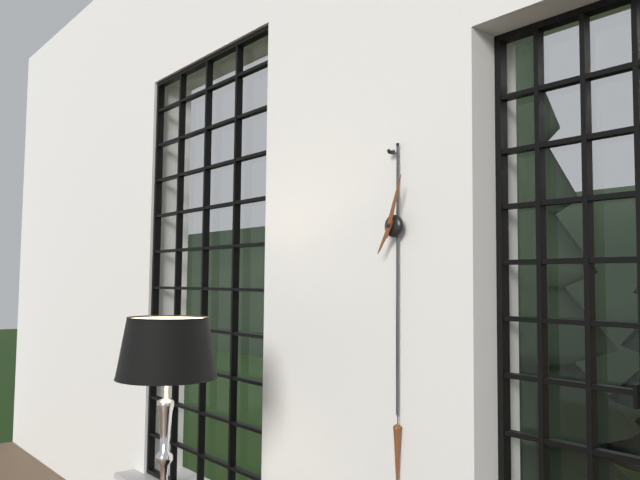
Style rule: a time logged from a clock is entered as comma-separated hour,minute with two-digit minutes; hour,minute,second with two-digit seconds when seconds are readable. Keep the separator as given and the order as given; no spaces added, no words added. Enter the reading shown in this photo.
7,03
